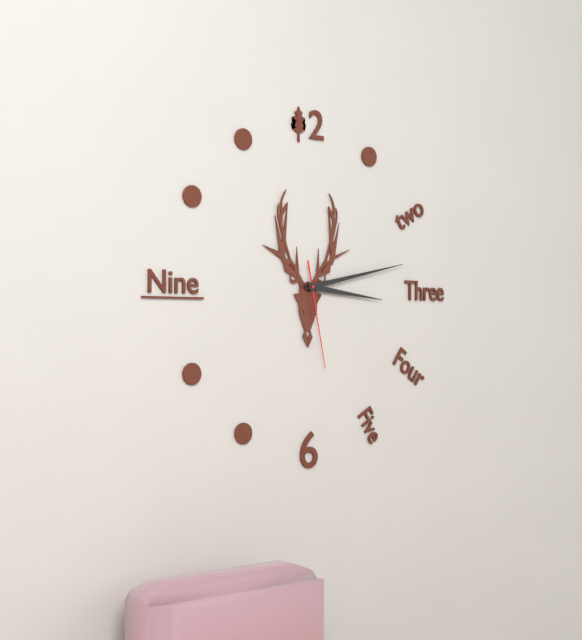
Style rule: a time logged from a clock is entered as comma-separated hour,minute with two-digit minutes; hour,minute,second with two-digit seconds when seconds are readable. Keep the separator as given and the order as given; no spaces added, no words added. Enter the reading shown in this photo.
3,13,28
